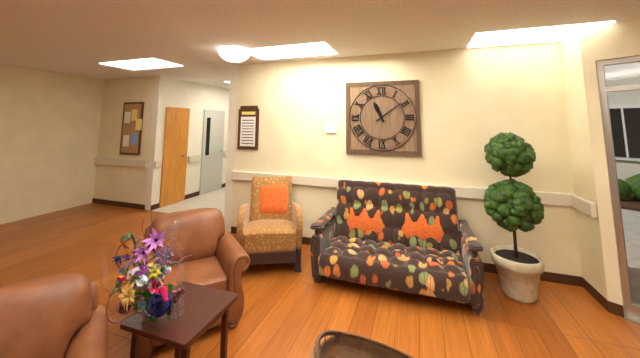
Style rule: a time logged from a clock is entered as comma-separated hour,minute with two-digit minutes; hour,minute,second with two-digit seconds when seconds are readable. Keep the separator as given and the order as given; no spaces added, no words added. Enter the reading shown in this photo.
11,09
